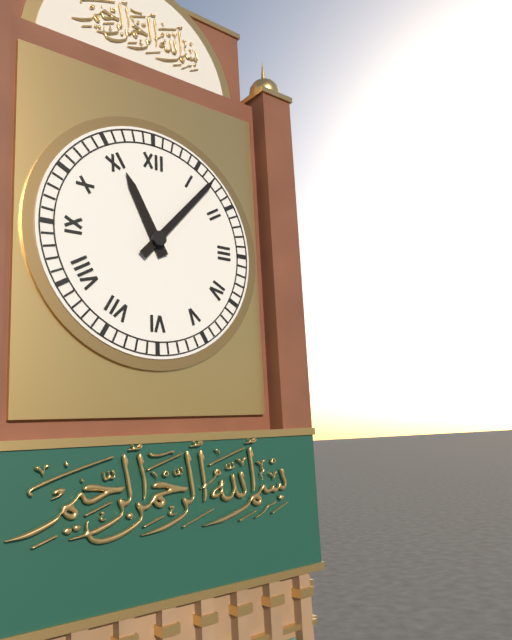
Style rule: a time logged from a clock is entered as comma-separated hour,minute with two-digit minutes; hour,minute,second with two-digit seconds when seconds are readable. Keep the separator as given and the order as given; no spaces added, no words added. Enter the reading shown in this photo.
11,07
